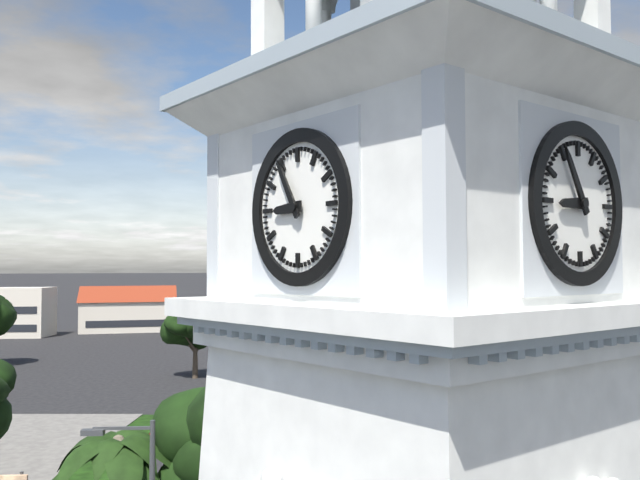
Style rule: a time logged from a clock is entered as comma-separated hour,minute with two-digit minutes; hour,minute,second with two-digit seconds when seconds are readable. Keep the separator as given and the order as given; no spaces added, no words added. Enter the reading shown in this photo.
8,55
